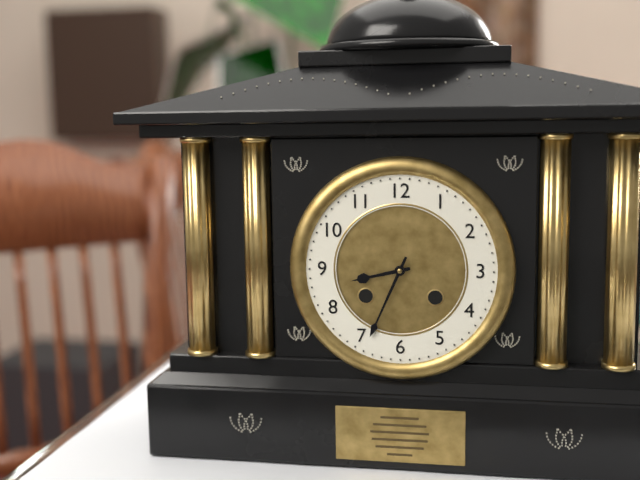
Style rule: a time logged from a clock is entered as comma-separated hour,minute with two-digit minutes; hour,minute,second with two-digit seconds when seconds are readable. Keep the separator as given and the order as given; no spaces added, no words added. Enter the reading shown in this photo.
8,34
